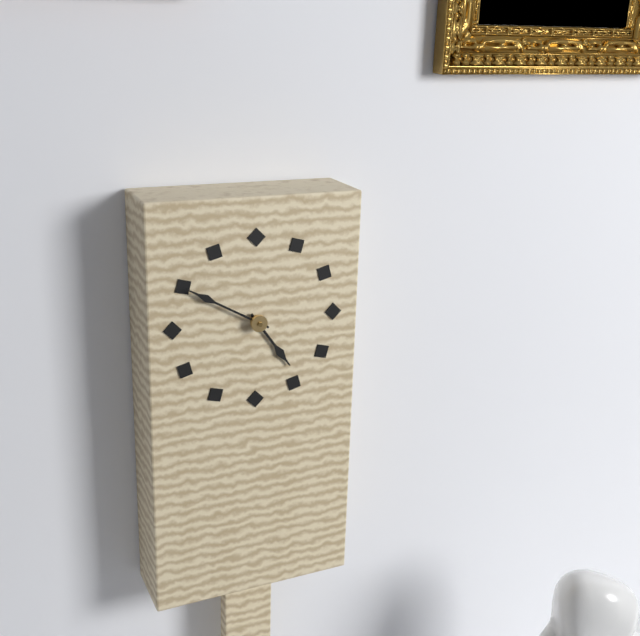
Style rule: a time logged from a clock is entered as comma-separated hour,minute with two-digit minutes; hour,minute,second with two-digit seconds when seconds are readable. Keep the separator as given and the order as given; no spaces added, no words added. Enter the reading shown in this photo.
4,50
